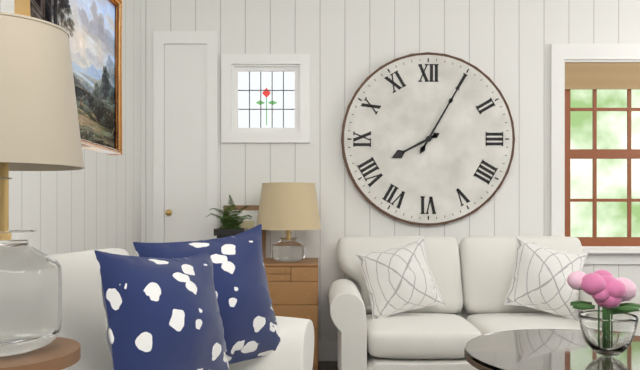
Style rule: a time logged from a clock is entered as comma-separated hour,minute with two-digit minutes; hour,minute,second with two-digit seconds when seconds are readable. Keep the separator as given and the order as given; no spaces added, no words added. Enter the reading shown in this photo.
8,05
